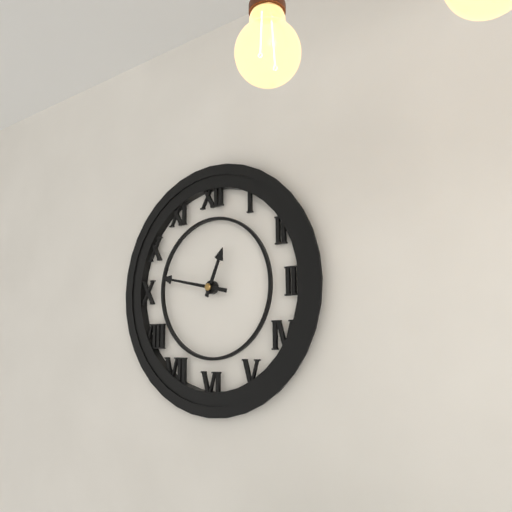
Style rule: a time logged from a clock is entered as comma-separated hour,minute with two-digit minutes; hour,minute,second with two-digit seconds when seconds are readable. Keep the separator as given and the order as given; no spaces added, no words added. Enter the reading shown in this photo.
12,47
